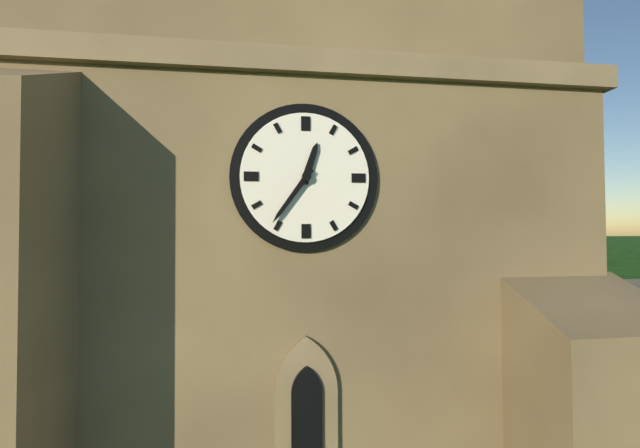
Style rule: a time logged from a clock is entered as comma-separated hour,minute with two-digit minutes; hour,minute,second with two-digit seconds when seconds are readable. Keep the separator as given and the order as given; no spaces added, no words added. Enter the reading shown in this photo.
12,36
